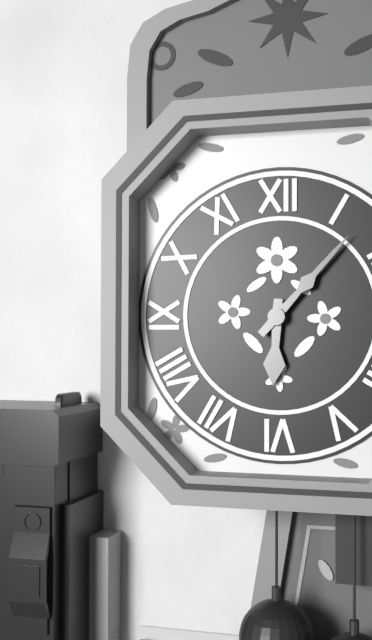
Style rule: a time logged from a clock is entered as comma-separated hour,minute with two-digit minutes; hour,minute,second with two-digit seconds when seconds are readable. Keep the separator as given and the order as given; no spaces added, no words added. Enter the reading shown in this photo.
6,07
